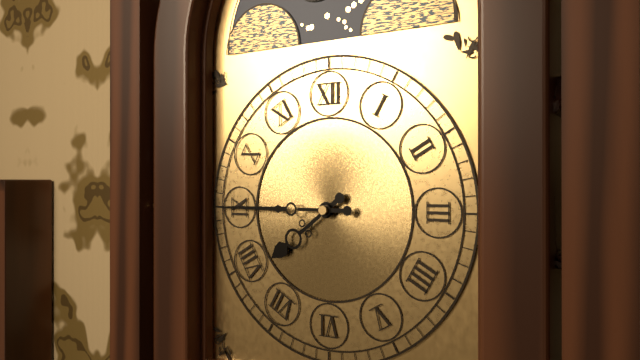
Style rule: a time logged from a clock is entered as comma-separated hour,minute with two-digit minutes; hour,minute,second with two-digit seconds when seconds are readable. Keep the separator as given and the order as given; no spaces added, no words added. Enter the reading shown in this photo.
7,45
